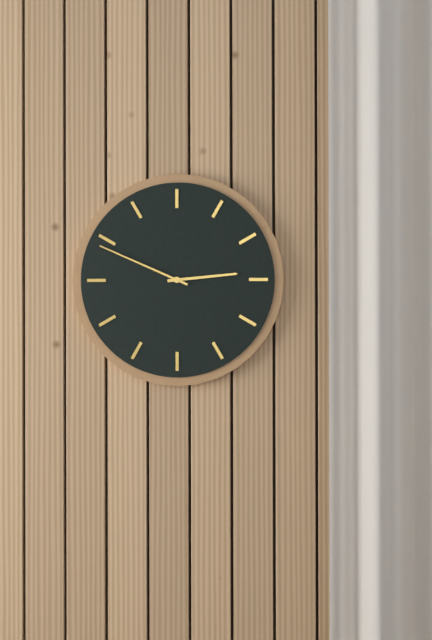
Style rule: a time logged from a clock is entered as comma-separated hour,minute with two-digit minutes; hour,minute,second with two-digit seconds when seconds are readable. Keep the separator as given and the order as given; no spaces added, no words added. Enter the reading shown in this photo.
2,49
